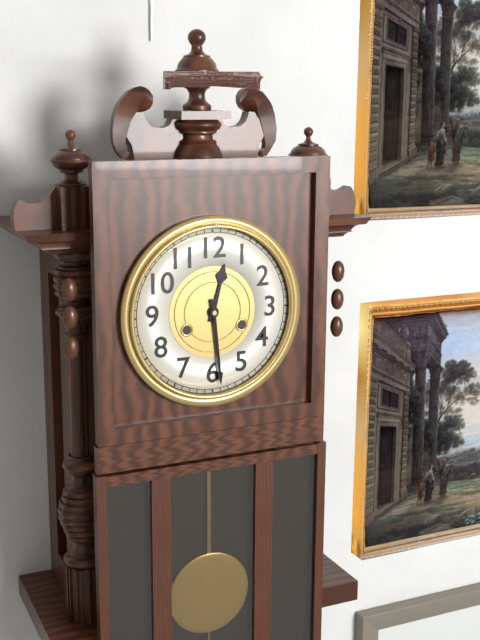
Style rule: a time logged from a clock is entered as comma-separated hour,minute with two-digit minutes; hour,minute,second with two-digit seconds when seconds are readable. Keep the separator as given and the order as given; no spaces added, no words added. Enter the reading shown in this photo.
12,29
